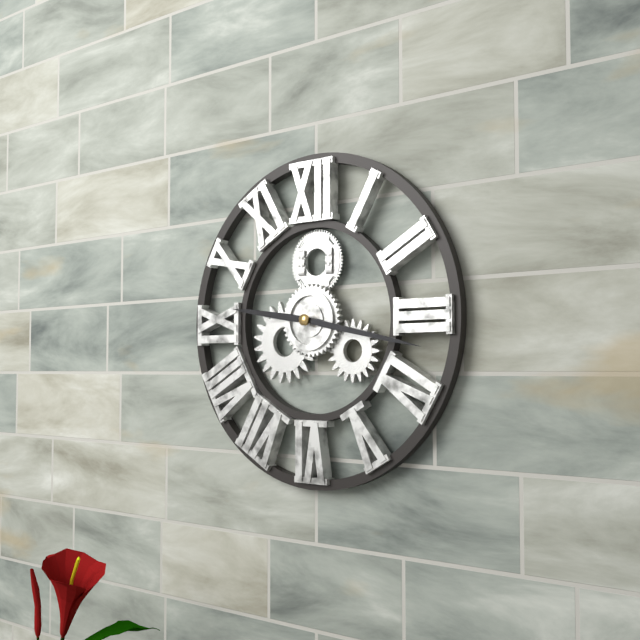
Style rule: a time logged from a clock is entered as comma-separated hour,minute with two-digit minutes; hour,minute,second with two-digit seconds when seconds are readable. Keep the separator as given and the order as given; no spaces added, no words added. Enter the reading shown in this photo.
9,17
